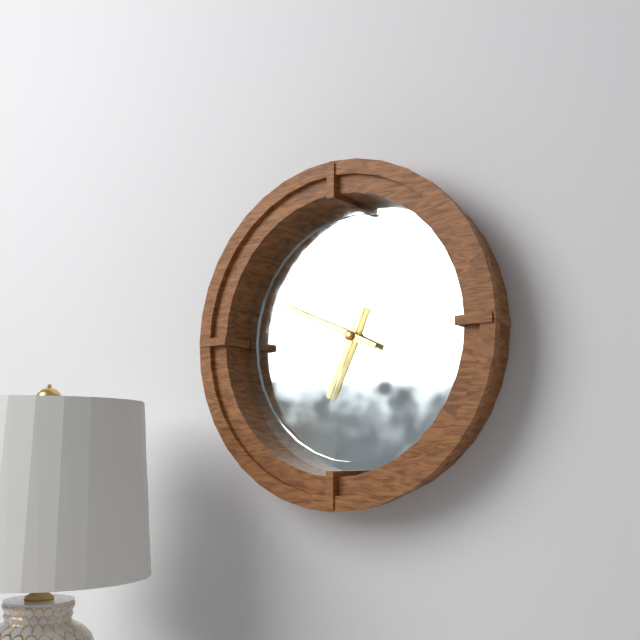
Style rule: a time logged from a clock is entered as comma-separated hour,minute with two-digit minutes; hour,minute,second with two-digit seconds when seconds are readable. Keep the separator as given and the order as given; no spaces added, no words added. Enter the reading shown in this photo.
6,49
